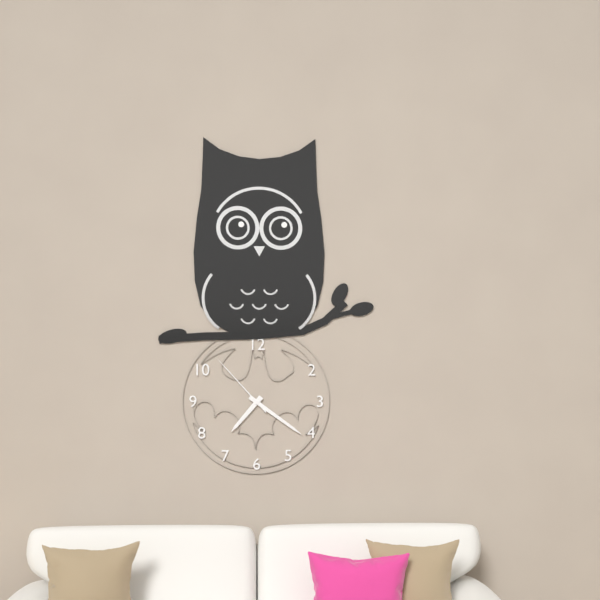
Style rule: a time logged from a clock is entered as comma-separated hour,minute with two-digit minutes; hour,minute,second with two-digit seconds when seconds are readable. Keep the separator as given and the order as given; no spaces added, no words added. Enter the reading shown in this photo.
7,21,53
